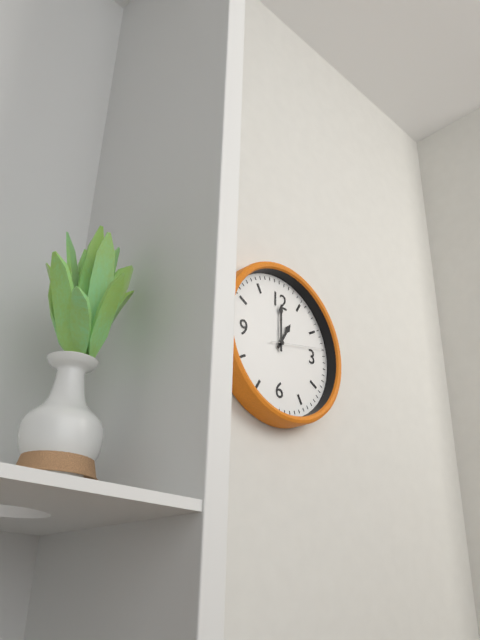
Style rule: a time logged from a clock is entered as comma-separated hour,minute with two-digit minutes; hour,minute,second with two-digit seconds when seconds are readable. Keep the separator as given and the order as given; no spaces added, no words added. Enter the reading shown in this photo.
1,00,13
